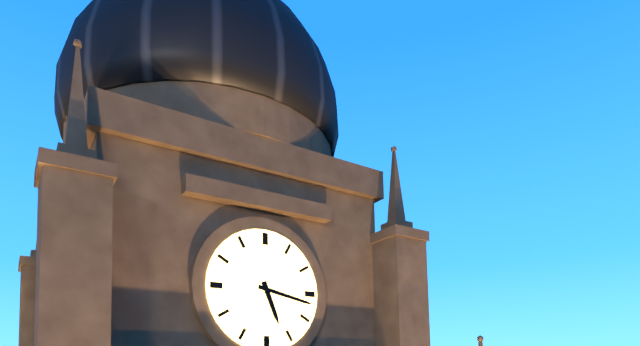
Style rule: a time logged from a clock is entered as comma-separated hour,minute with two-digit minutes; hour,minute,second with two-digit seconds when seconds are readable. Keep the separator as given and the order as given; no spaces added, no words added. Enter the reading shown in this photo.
5,17
